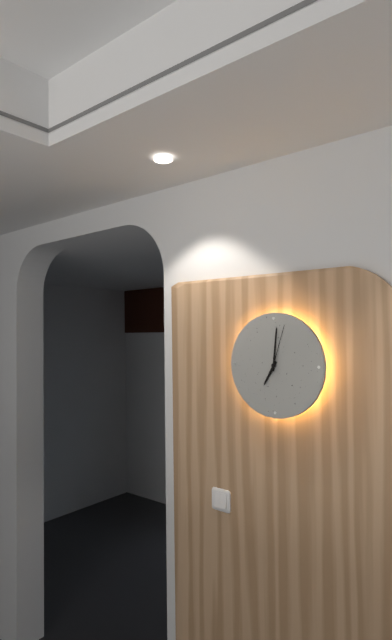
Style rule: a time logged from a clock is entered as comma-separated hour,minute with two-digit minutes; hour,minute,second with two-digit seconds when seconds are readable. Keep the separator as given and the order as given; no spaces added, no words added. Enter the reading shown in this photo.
7,01,03
